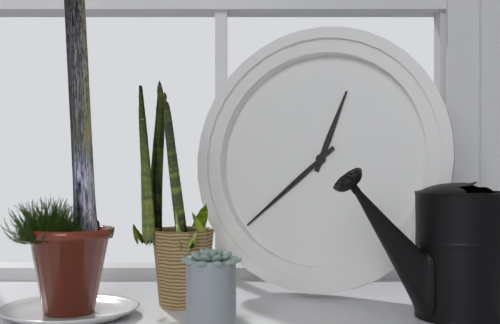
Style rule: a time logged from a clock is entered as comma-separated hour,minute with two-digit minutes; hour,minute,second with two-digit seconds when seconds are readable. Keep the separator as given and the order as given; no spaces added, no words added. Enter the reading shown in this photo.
12,38
